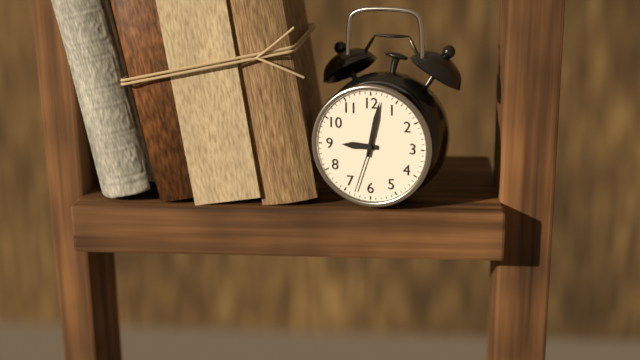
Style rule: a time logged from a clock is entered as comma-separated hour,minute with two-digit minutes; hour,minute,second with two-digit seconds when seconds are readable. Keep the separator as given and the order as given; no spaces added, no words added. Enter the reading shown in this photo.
9,02,33
